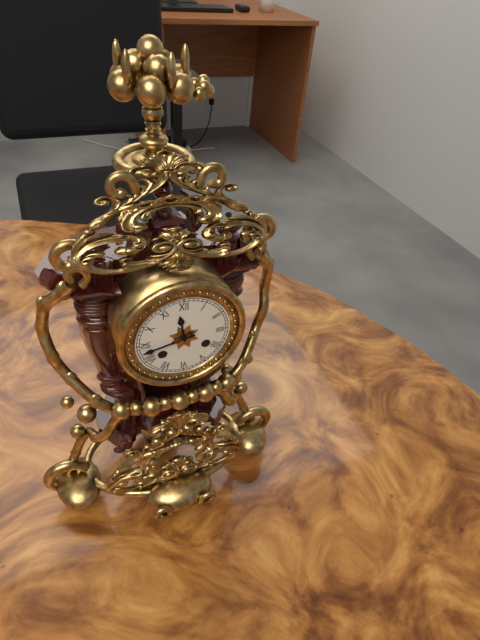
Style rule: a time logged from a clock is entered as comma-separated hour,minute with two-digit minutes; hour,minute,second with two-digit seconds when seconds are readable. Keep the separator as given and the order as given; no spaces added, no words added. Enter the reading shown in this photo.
11,43
